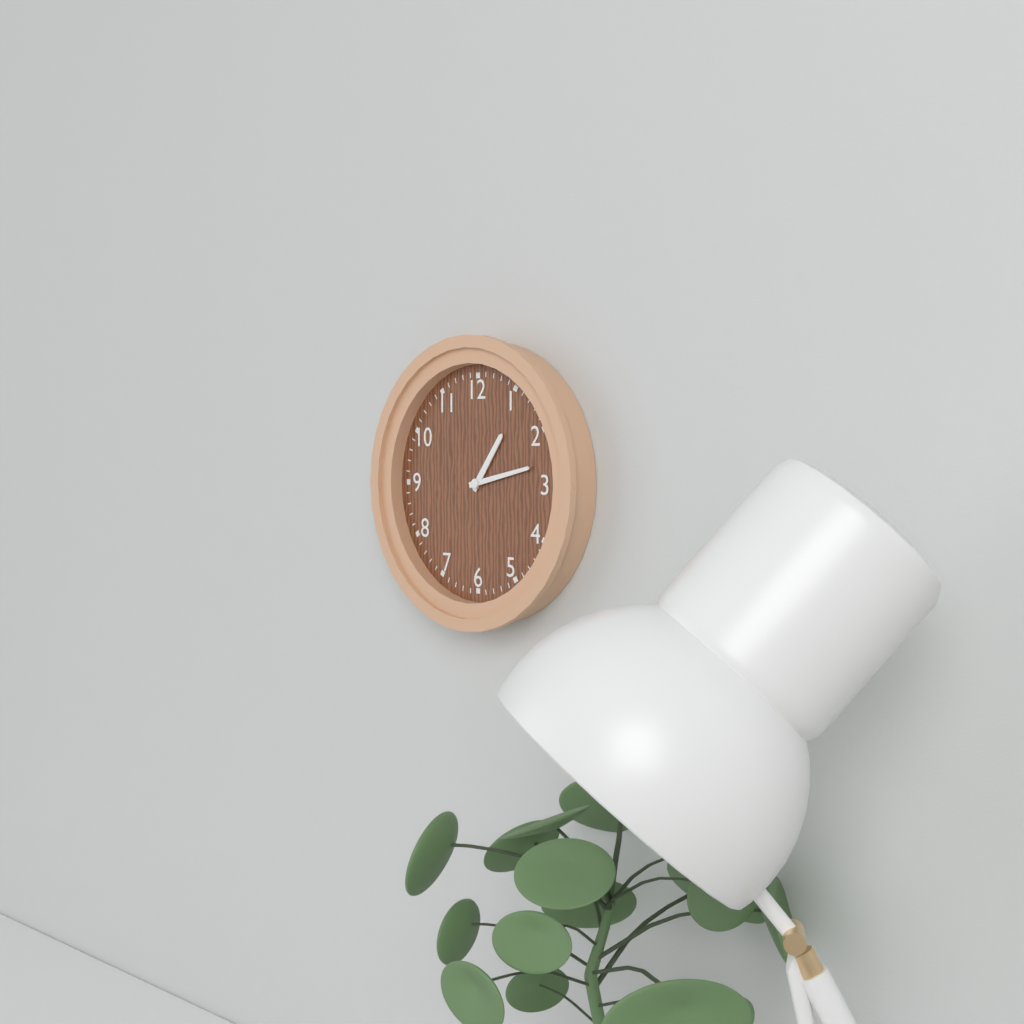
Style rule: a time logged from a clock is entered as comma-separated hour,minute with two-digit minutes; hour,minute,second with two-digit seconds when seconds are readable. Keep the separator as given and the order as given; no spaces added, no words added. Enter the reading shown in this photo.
1,13
